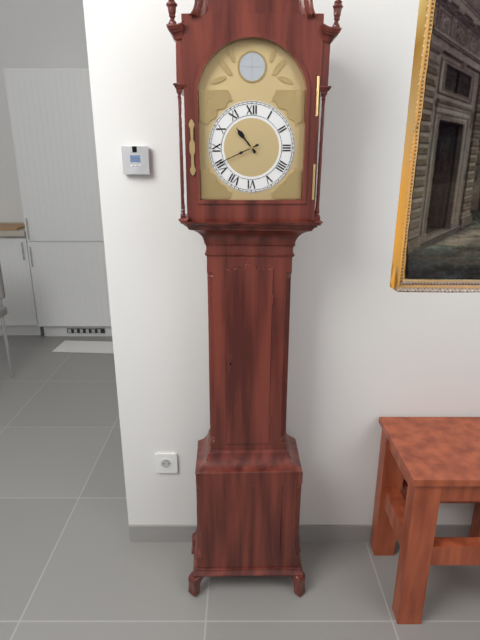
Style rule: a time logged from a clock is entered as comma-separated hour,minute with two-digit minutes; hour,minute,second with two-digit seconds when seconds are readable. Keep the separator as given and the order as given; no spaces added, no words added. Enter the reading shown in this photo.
10,41
